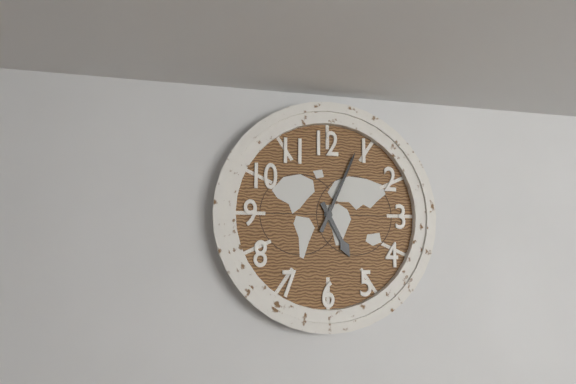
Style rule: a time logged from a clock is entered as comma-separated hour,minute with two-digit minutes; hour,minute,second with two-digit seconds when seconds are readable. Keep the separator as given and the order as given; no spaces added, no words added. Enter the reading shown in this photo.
5,04
